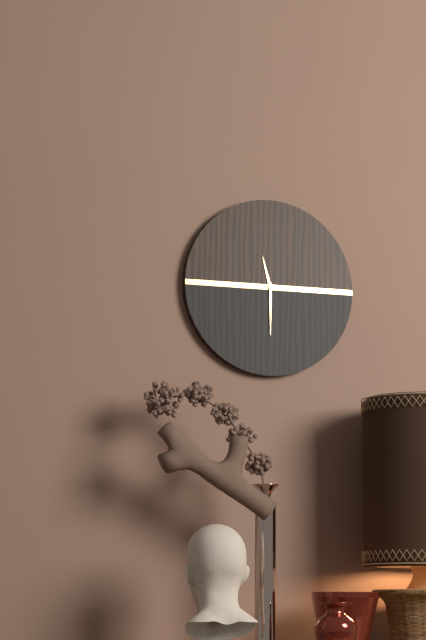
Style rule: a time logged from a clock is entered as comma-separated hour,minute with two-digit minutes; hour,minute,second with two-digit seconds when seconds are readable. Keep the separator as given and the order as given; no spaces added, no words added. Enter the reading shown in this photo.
11,30
